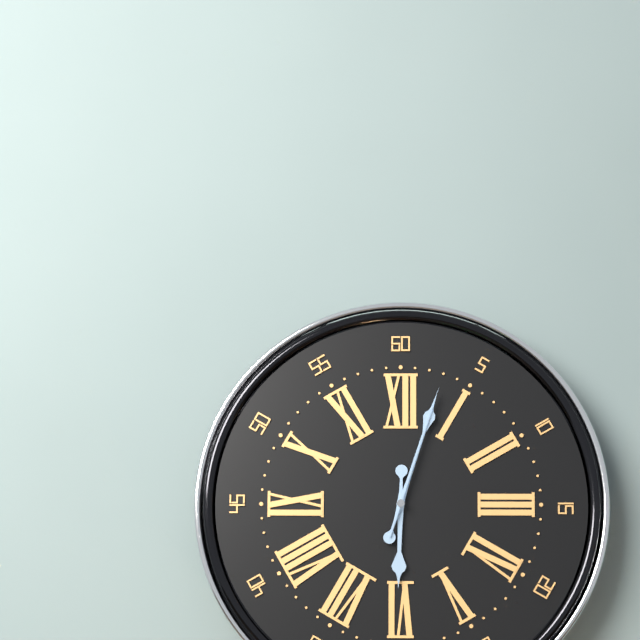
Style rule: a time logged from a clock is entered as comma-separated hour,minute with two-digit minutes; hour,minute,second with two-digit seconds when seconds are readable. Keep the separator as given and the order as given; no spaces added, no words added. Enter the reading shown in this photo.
6,03,03
